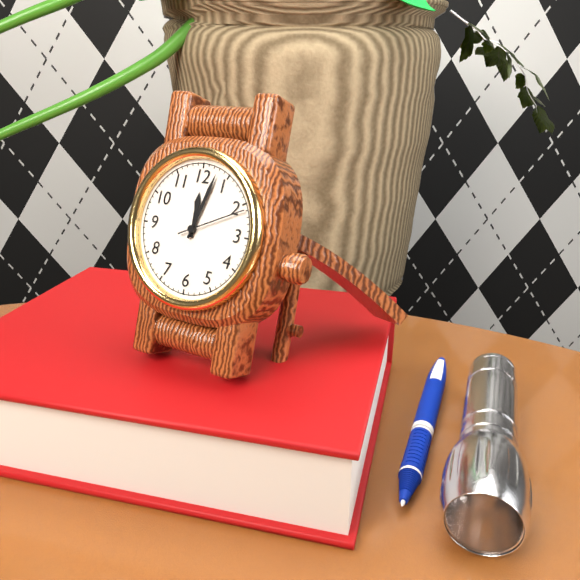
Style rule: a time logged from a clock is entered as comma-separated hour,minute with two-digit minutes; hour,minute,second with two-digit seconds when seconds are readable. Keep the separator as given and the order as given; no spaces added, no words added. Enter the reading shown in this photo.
12,03,11
